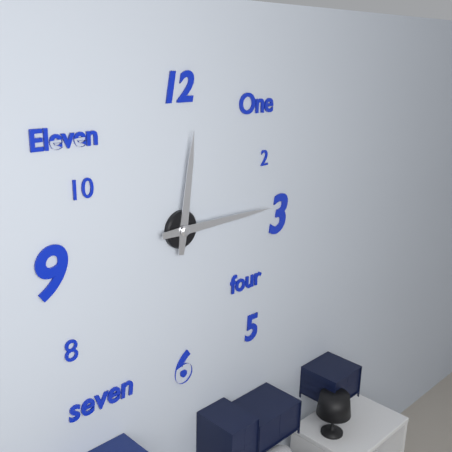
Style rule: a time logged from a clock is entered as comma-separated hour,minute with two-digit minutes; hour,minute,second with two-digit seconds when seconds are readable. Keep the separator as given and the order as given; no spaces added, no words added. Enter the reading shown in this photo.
12,15
